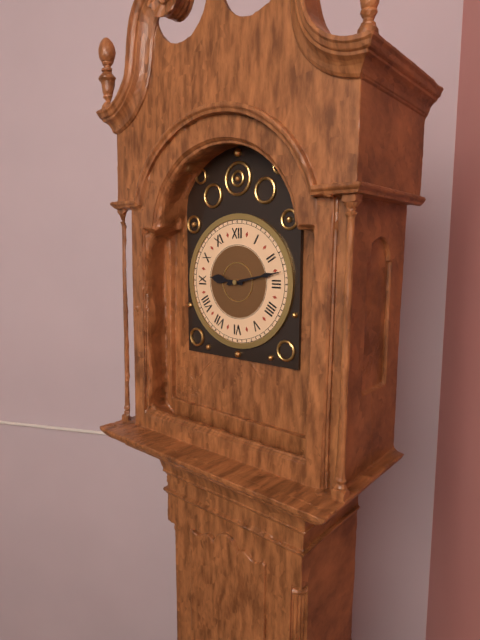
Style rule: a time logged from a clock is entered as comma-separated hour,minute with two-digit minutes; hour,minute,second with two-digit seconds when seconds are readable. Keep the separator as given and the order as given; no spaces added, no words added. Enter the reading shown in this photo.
9,13
